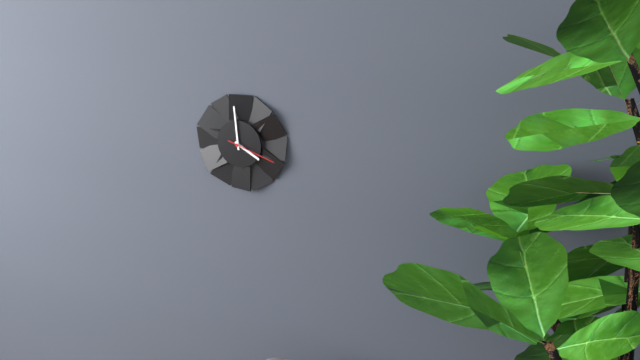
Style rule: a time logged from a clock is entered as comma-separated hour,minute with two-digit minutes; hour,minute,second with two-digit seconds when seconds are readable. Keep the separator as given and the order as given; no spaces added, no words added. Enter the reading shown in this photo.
3,59,18
